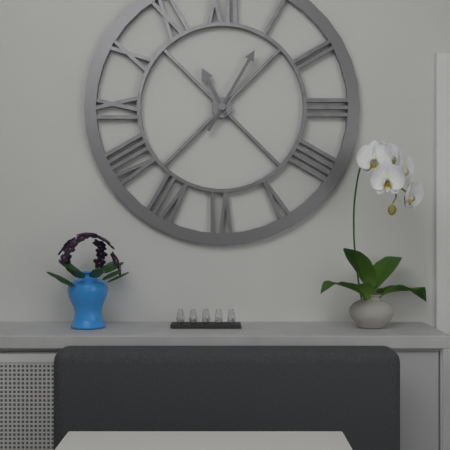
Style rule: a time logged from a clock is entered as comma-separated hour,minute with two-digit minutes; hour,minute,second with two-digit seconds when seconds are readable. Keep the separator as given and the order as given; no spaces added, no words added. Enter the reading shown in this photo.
11,05
